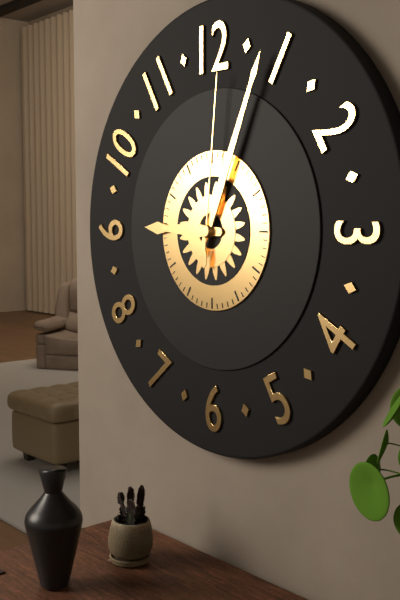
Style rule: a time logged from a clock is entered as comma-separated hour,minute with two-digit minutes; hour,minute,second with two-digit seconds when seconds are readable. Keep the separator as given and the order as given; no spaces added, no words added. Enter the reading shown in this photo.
9,04,01
